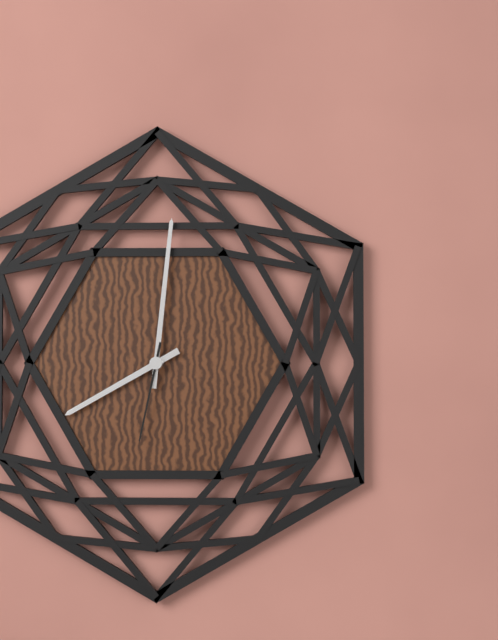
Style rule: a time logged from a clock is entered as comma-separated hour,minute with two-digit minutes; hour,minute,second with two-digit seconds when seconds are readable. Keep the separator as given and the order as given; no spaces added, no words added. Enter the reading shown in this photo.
8,01,32
